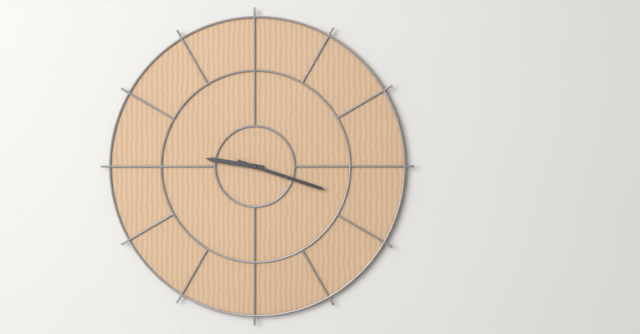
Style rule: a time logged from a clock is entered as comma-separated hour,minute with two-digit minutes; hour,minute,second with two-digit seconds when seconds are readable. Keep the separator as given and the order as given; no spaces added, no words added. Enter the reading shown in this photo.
9,18
